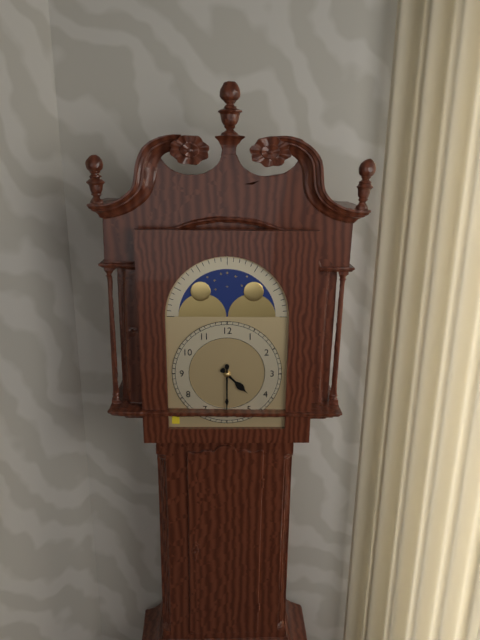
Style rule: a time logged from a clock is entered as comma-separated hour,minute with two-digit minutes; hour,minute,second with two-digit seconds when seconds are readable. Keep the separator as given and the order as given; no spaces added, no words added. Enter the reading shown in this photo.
4,30
